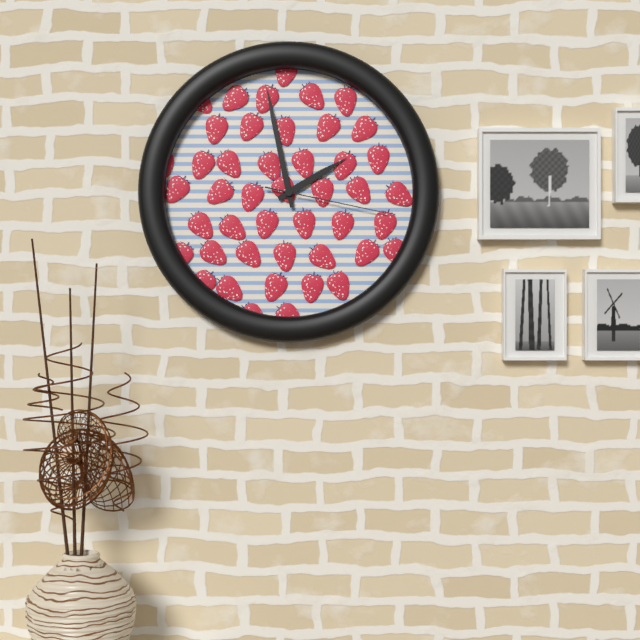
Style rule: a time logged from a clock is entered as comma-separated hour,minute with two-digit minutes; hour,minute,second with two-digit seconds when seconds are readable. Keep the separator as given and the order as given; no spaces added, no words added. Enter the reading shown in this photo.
1,58,17
